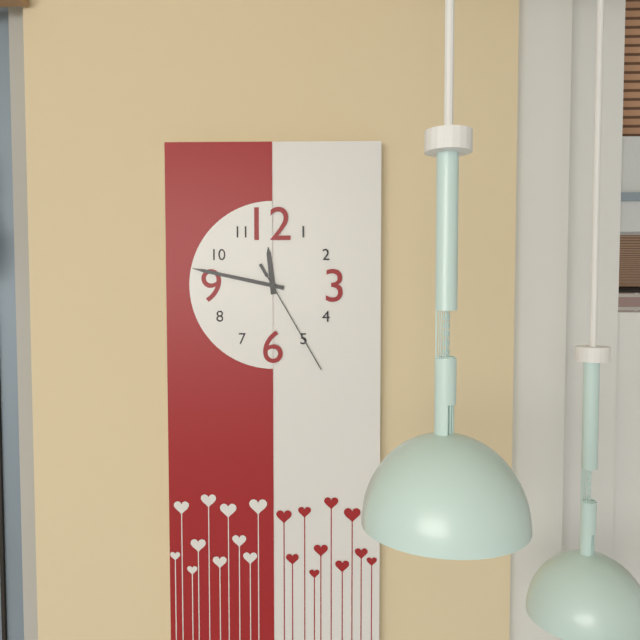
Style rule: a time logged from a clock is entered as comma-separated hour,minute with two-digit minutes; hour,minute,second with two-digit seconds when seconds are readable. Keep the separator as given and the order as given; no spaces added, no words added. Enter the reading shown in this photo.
11,47,25
